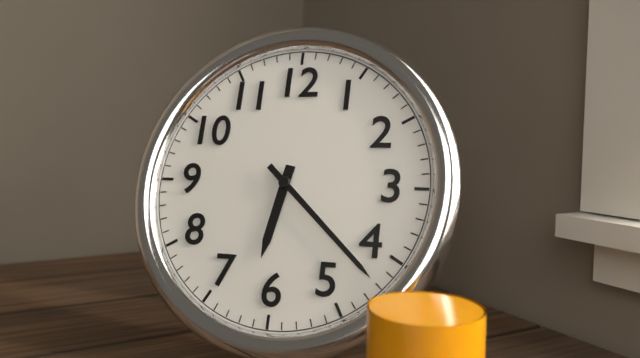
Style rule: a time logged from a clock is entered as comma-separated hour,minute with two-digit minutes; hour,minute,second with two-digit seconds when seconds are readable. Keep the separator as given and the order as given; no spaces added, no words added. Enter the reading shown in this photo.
6,22
